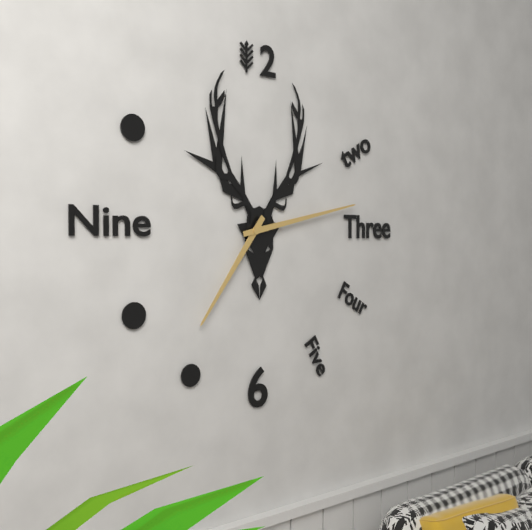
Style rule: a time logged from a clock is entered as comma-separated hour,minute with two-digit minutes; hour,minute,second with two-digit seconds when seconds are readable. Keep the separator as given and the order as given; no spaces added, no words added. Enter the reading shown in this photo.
7,13
